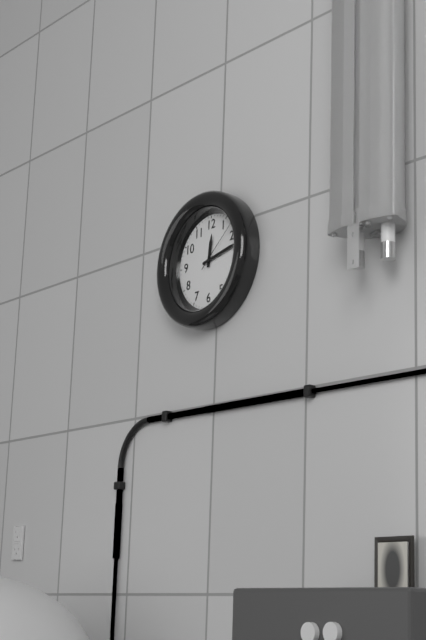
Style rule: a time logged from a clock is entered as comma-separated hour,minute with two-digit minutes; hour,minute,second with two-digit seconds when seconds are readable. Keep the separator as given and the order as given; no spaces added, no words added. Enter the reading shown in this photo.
12,13,08
